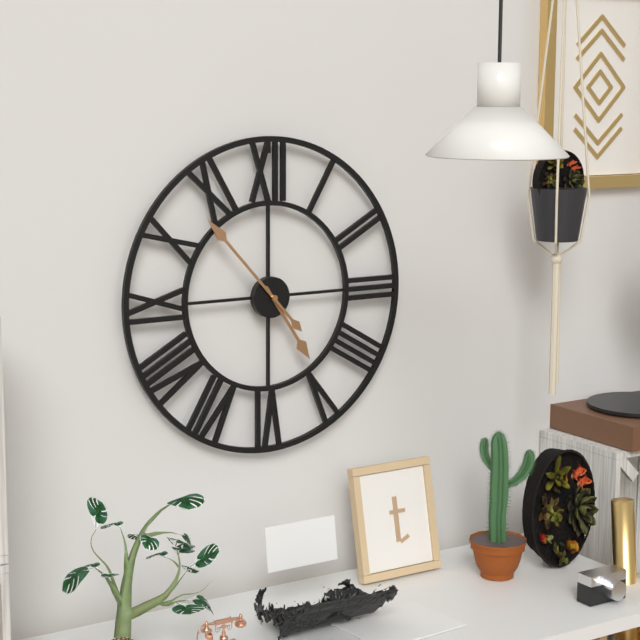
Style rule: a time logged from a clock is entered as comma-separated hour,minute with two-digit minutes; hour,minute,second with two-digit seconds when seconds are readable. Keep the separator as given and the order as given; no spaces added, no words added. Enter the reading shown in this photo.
4,53
